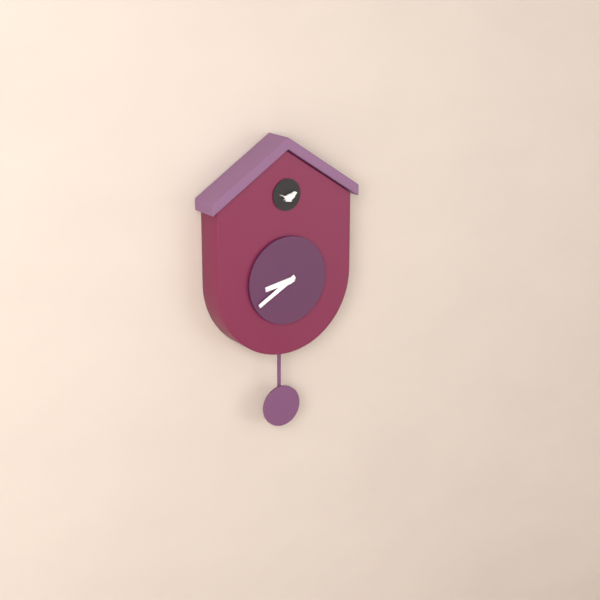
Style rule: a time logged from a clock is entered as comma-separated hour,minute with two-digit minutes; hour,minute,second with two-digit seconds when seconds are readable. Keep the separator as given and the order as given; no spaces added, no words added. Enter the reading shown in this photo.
8,40
